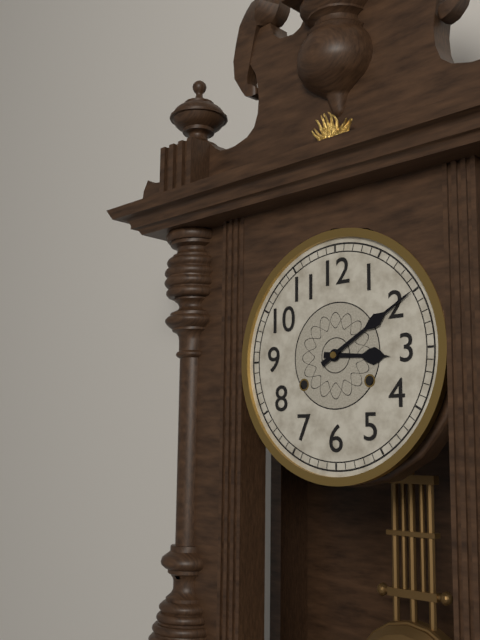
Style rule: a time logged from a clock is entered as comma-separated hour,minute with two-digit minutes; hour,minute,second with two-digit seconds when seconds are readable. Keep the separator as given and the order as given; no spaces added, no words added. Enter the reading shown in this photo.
3,10
